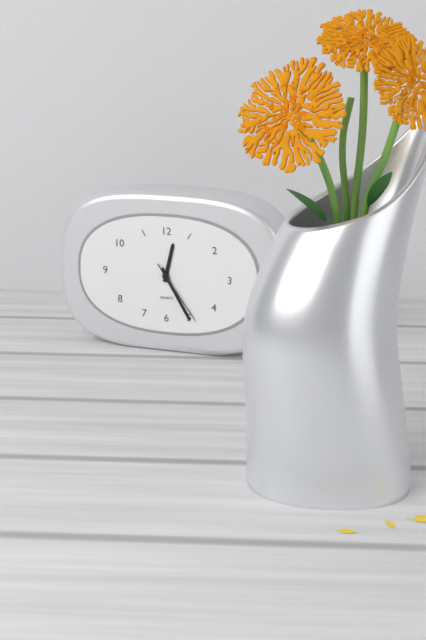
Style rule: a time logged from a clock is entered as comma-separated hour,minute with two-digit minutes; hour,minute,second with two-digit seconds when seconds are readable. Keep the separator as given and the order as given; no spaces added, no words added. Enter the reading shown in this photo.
12,25,24
